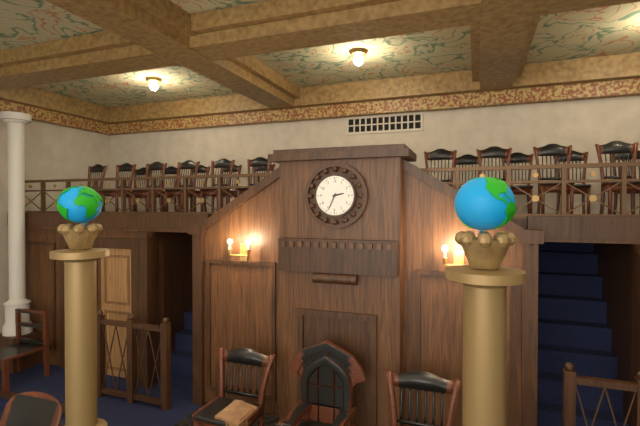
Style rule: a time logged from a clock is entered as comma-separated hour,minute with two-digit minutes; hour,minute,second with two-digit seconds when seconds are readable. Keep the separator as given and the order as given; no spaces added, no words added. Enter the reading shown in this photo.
2,34
